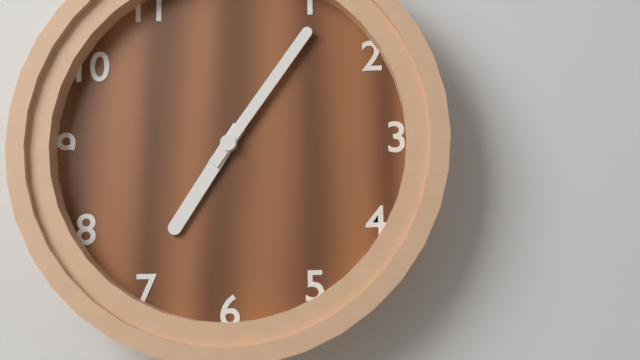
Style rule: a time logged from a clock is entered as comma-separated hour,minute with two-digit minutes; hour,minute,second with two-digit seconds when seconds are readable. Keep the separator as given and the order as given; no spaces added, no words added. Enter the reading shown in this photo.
7,06
